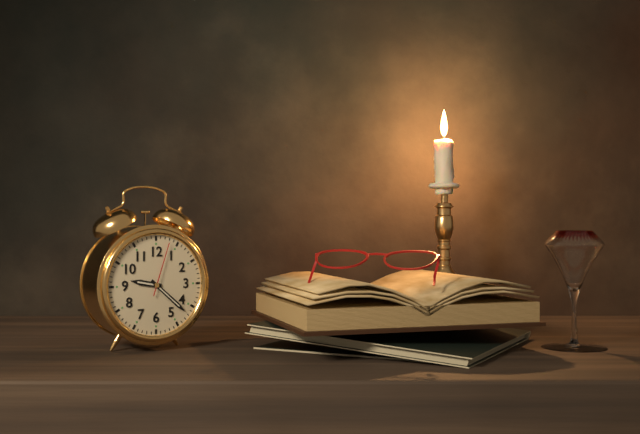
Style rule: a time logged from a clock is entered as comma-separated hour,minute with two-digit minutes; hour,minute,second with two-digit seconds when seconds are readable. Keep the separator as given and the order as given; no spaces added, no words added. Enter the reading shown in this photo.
9,22,03
